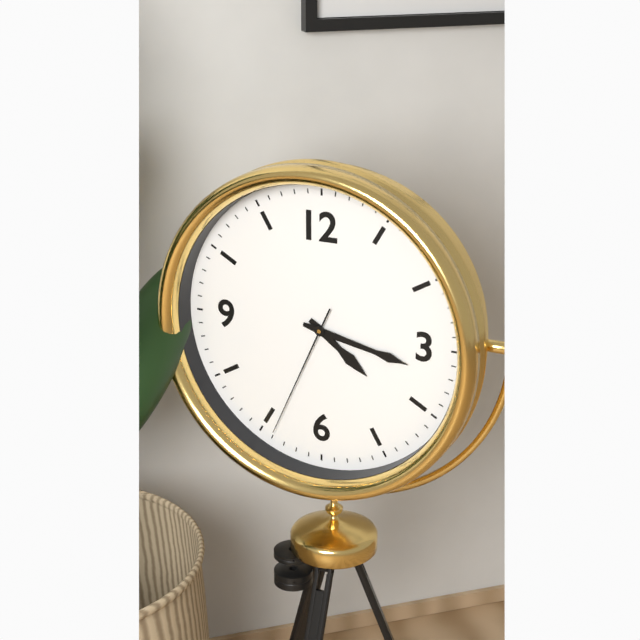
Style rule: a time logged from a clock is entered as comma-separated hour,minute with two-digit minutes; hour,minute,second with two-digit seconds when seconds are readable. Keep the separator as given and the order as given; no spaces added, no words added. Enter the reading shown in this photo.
4,17,34
